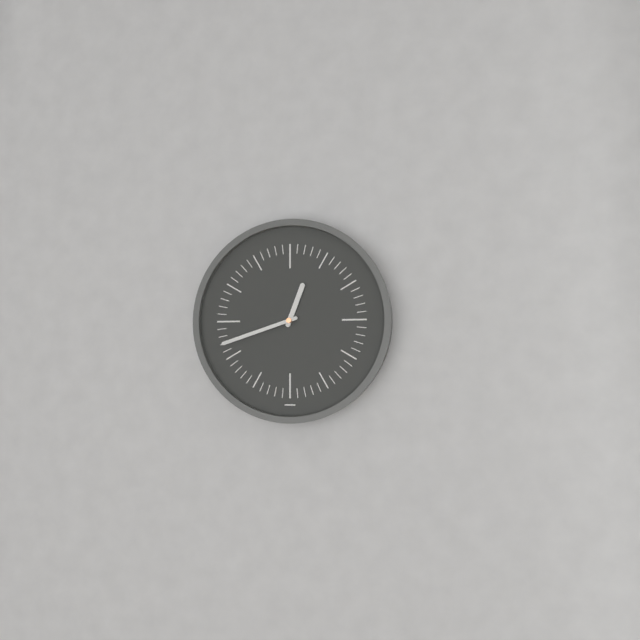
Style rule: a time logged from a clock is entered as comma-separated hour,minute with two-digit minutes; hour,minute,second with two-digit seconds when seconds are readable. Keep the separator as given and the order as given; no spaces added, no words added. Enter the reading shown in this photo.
12,42
